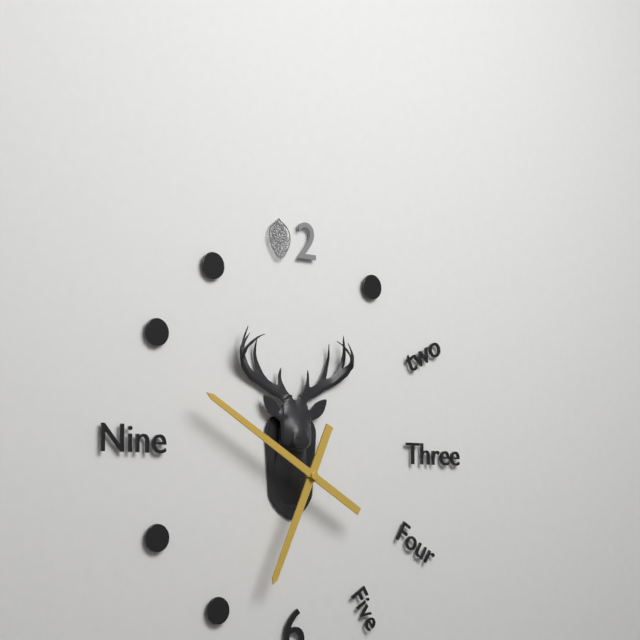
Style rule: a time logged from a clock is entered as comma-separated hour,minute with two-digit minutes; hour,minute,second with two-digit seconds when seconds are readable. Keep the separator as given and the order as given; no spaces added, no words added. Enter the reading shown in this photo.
6,50
